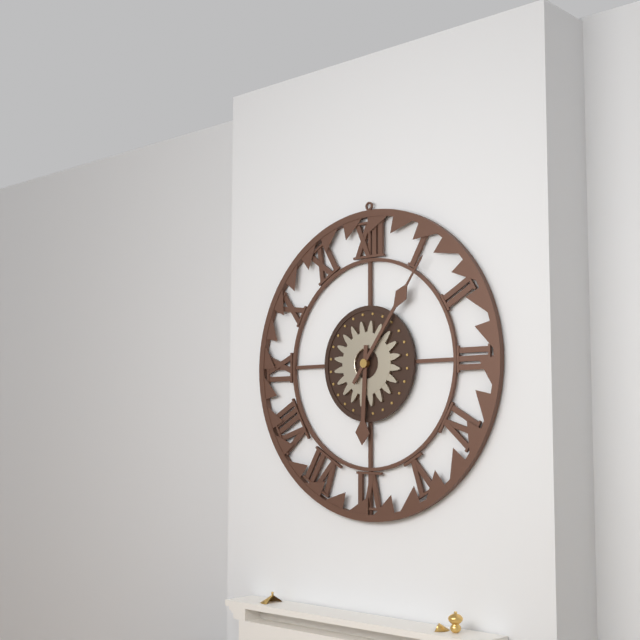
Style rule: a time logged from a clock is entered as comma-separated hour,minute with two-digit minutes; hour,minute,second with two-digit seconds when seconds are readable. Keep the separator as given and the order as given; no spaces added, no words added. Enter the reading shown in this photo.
6,06
